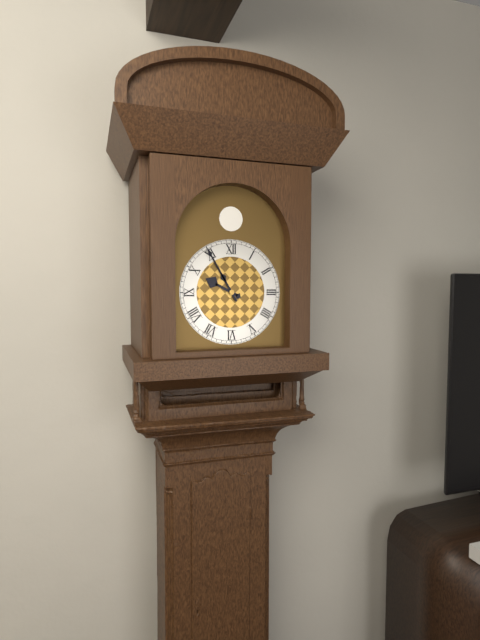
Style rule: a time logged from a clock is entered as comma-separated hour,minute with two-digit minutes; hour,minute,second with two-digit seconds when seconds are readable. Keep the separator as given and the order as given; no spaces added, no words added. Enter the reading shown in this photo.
9,55
